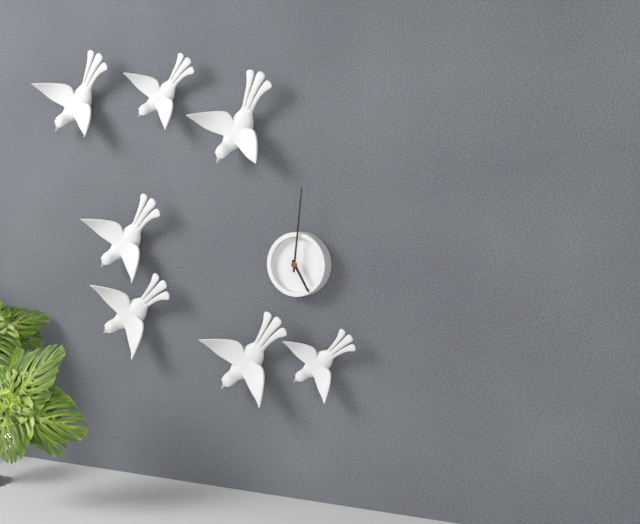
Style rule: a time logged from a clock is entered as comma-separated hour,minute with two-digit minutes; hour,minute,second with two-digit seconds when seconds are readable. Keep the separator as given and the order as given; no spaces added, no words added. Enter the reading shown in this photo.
5,01
